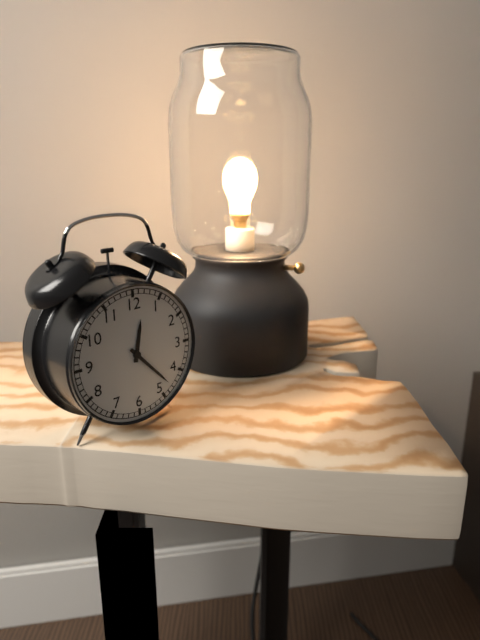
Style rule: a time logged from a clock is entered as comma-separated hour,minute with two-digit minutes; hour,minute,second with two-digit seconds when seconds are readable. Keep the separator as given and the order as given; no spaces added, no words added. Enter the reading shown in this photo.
12,23
